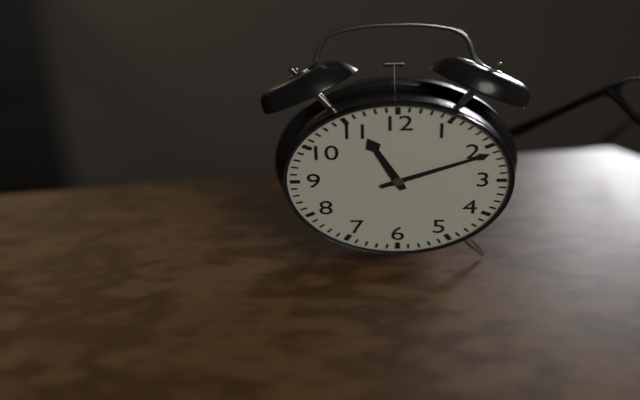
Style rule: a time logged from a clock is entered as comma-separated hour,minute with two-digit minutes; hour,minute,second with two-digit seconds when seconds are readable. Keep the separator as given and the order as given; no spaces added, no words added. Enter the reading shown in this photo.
11,11
